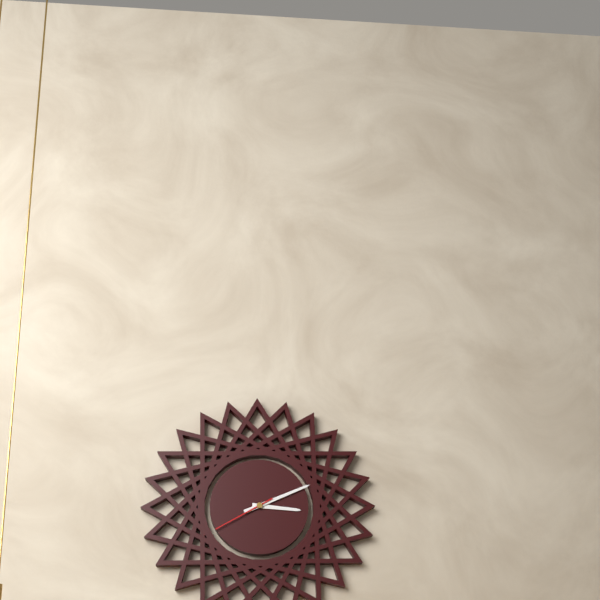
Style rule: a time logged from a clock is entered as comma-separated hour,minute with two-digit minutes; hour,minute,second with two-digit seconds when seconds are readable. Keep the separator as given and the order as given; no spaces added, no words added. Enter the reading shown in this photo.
3,11,40
